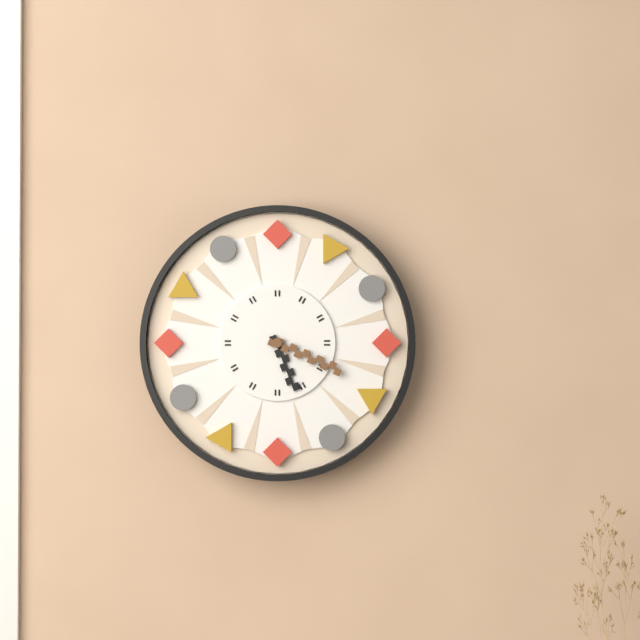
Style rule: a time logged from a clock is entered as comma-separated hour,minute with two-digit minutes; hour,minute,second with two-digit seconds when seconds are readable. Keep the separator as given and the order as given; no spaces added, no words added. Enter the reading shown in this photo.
5,19
